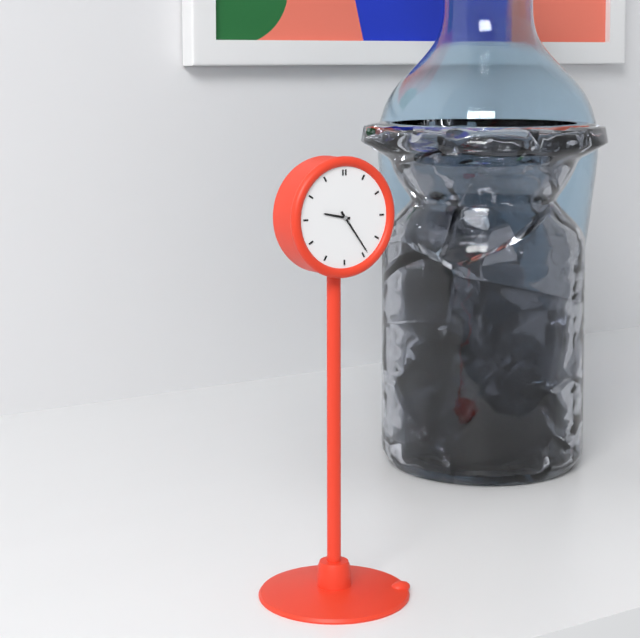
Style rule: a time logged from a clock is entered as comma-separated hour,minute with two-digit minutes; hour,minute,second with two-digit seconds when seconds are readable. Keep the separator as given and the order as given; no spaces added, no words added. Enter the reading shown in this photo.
9,24
